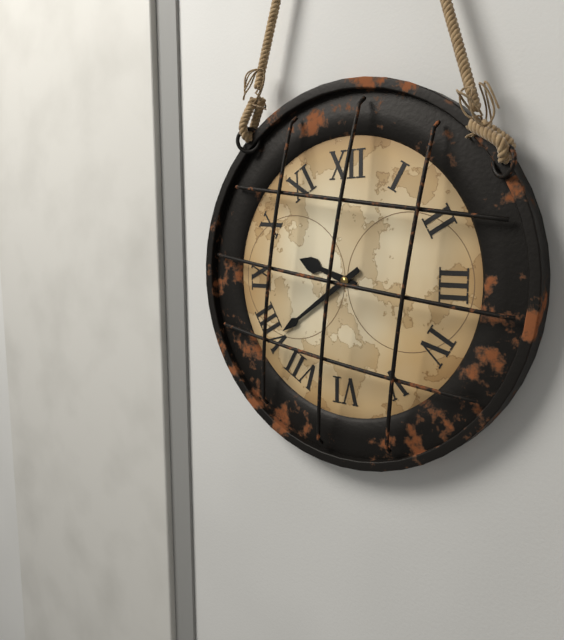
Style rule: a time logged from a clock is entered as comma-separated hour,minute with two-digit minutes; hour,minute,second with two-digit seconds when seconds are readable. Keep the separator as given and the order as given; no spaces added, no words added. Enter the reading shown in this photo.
9,39
